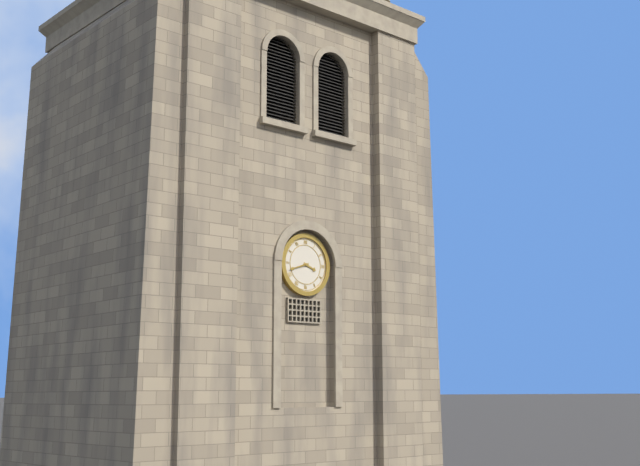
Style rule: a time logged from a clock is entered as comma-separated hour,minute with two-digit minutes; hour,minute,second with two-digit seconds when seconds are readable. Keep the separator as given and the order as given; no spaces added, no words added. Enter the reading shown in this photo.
3,42
